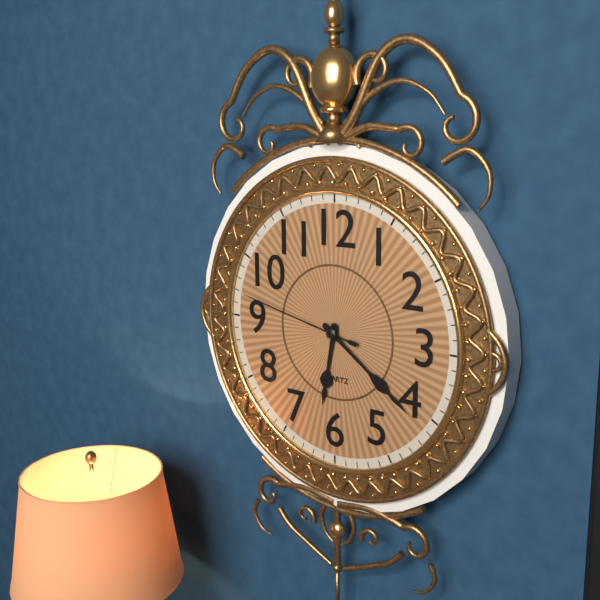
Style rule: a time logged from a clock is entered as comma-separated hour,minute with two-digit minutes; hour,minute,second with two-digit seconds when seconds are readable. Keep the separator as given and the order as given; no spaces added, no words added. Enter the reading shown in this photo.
6,21,47
